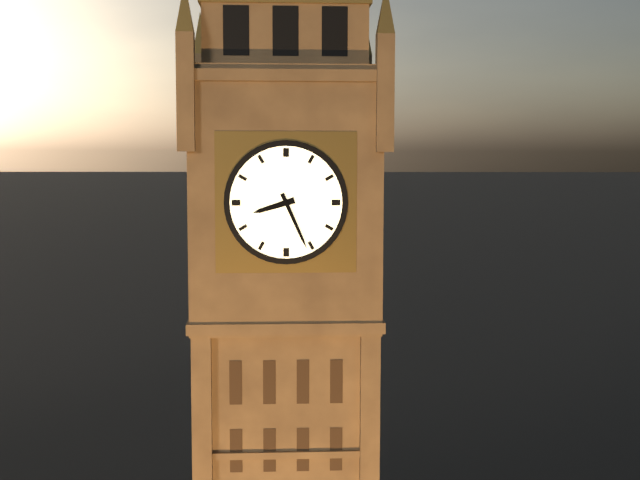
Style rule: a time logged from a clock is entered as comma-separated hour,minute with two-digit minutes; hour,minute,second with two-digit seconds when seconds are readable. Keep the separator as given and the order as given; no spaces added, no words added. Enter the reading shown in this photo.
8,26
